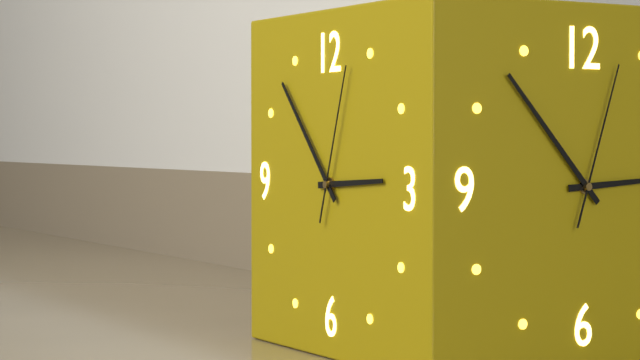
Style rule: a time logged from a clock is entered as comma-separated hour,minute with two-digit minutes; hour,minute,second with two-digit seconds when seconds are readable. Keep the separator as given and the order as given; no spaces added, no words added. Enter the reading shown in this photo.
2,53,03
